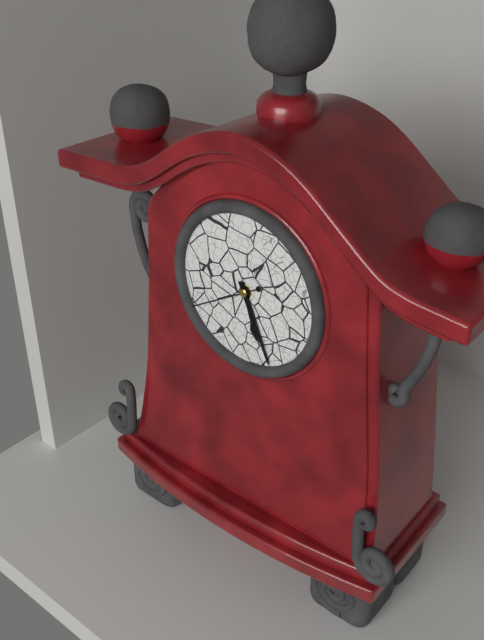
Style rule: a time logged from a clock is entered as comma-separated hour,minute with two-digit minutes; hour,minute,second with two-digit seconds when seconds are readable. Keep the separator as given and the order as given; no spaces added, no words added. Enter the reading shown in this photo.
5,26,40
